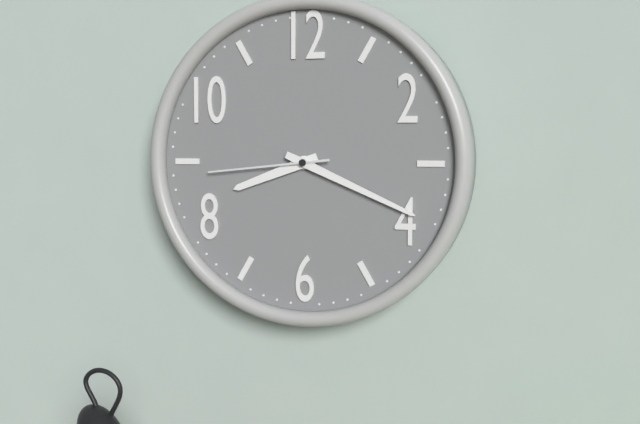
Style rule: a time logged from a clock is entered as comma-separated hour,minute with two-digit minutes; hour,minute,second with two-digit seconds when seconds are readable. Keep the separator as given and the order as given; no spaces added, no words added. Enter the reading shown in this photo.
8,19,44
